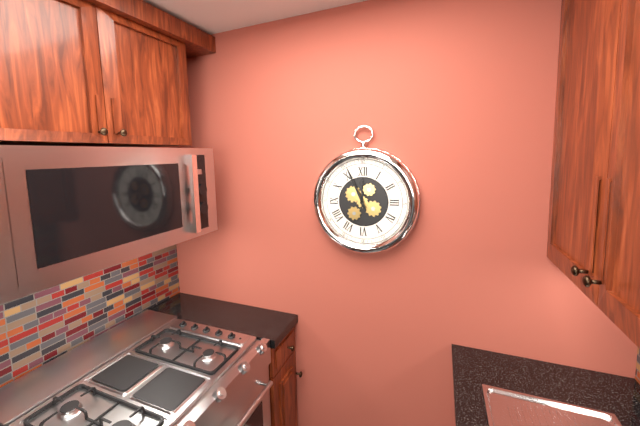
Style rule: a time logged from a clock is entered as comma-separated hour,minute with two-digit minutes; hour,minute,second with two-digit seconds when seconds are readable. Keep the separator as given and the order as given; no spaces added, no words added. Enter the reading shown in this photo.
11,56
